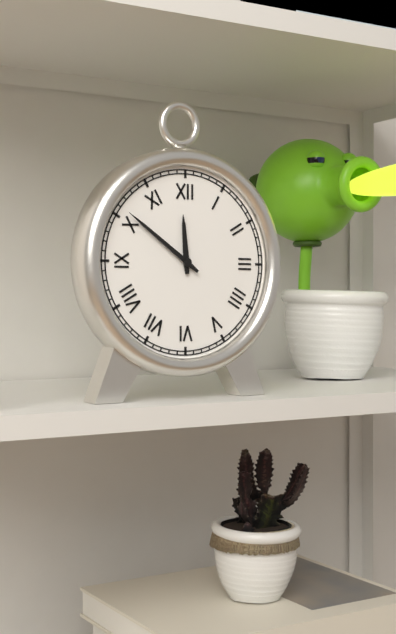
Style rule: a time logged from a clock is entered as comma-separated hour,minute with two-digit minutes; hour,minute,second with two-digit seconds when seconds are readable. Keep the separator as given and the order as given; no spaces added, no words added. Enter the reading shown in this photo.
11,51
